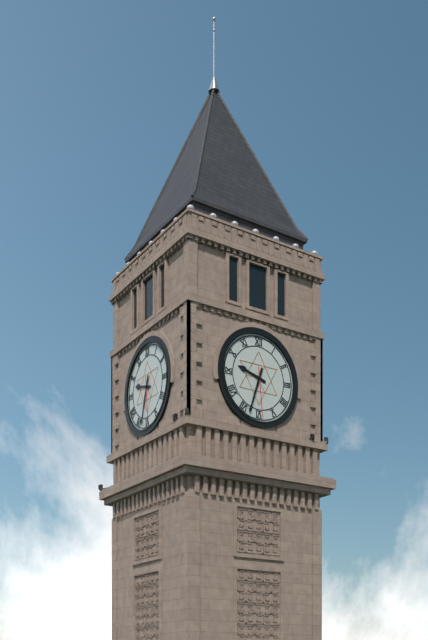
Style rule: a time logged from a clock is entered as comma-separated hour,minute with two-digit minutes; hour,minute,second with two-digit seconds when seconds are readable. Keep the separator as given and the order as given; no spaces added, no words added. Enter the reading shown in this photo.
9,33,29
